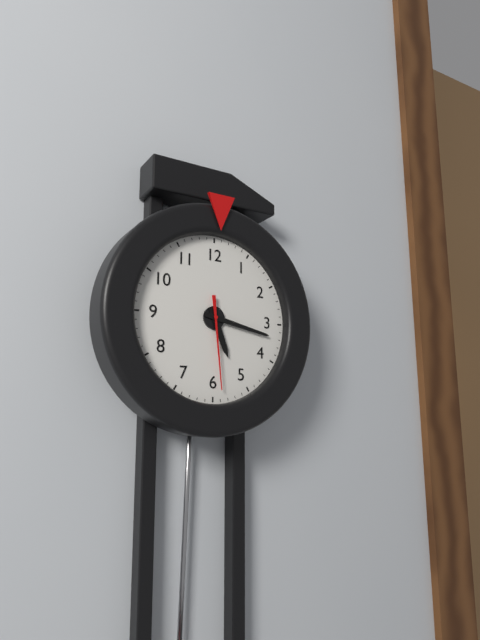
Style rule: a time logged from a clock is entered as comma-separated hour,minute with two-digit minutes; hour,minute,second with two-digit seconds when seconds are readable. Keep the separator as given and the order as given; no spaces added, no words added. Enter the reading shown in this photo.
5,17,29
